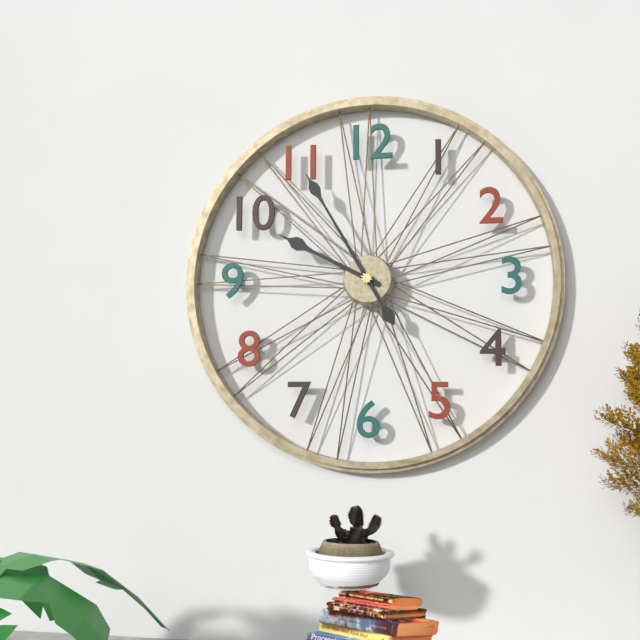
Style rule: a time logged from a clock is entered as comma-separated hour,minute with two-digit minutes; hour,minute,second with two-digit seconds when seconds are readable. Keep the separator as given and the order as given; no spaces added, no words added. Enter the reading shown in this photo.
9,55
